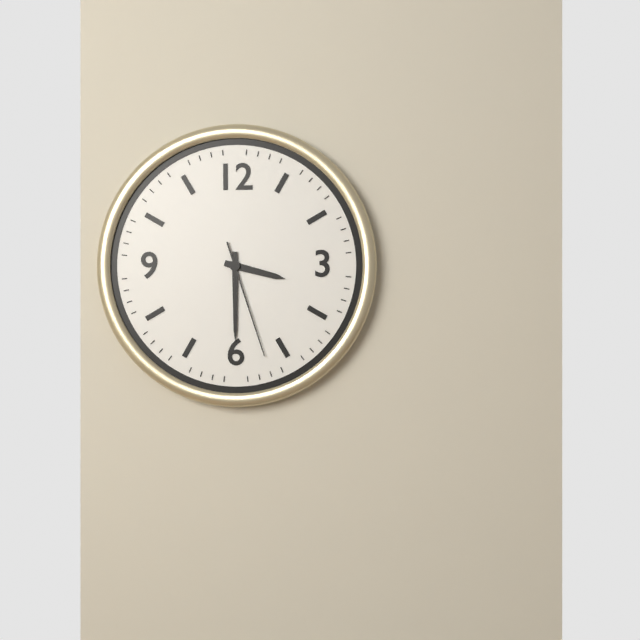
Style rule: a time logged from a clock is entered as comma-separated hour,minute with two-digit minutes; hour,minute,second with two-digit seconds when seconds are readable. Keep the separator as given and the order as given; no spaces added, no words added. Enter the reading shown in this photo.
3,30,27
